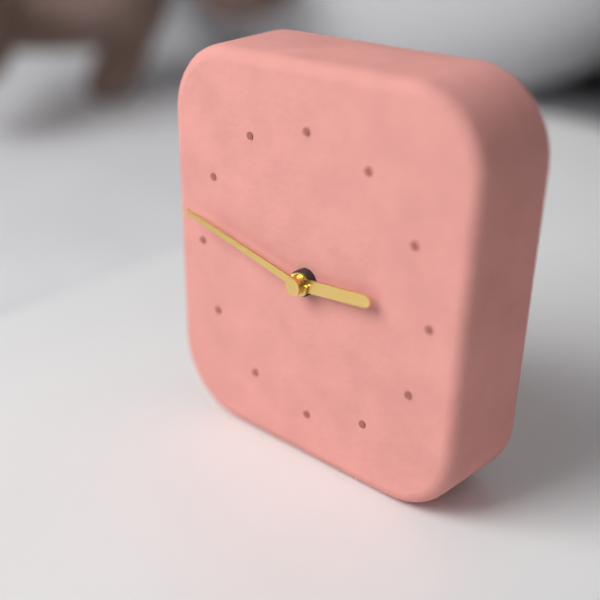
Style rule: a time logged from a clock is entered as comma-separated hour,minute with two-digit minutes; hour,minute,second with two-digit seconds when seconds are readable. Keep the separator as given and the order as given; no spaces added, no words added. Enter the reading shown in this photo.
2,47
